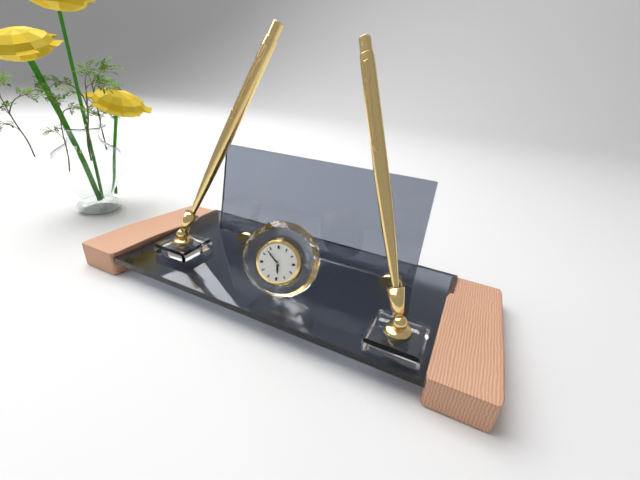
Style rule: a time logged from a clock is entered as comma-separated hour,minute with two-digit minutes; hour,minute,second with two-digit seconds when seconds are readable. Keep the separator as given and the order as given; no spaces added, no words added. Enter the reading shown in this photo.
5,53
